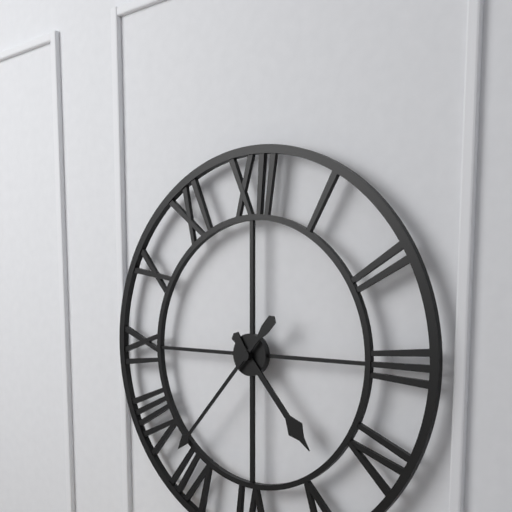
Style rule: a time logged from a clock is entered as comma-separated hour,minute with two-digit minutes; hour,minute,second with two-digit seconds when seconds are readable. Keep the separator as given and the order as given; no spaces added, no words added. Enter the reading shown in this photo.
4,37
